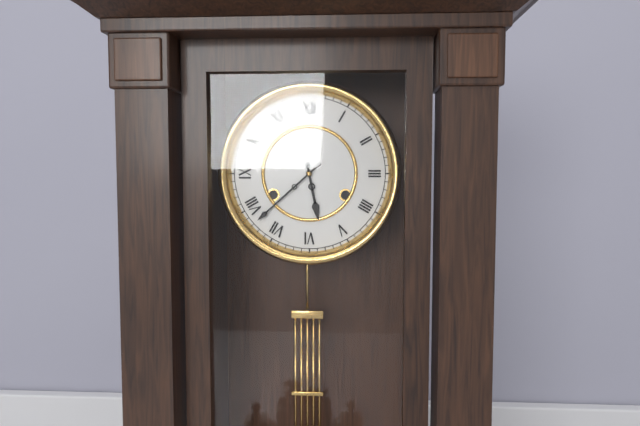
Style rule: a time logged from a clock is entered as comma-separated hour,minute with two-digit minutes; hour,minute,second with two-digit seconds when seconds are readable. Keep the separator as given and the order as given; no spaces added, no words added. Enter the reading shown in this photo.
5,38
